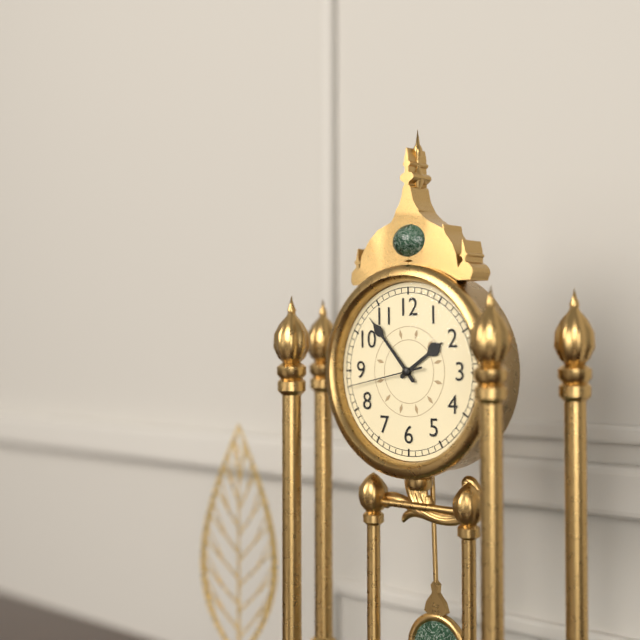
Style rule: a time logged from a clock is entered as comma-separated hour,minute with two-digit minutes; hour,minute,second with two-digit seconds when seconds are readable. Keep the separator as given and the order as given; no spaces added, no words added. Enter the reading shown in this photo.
1,53,43
